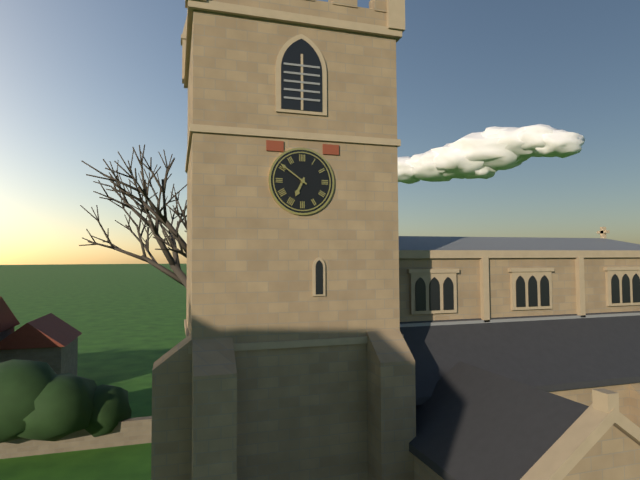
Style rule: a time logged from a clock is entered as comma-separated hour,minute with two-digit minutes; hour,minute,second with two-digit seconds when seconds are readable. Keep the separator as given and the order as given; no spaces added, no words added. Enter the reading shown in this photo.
6,51
